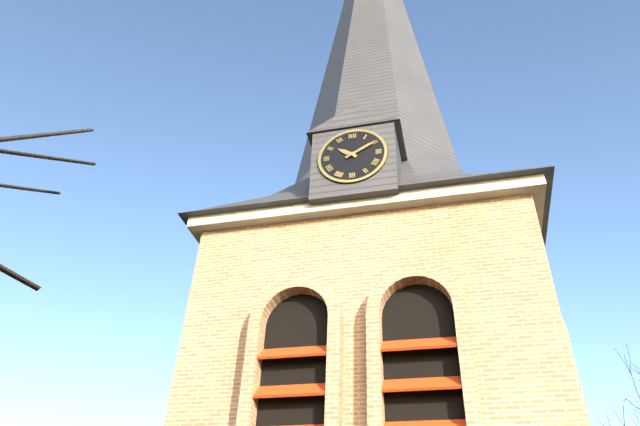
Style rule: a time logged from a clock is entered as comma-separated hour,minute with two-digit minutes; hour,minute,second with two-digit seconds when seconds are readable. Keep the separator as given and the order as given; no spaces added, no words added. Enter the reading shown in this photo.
10,10
